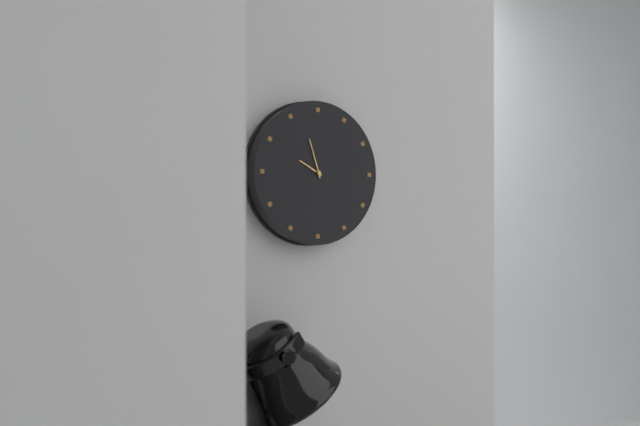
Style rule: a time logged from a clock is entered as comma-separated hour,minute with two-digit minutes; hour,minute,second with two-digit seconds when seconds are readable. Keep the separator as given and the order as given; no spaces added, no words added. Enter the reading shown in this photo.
9,57
